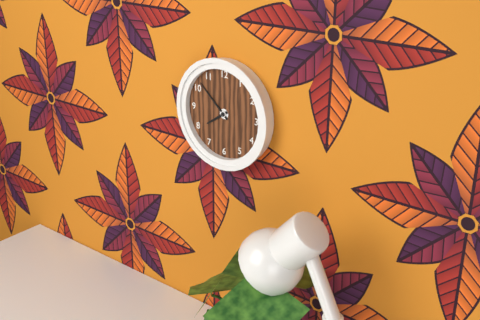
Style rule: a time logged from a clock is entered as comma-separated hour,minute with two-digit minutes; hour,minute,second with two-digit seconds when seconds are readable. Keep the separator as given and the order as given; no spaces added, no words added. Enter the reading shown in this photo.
7,52
